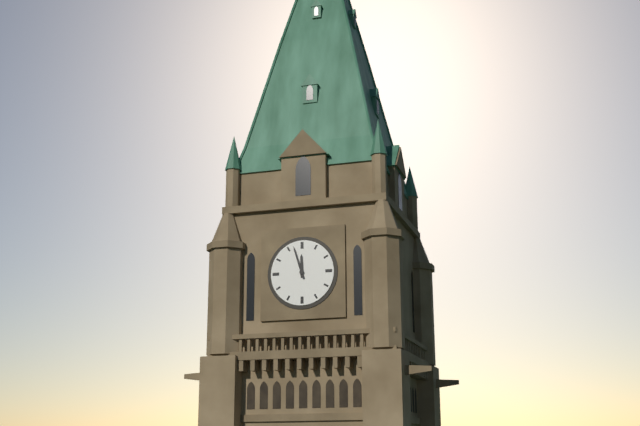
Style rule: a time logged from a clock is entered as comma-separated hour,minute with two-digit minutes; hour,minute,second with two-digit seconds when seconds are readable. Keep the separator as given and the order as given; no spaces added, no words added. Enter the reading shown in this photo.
11,57
